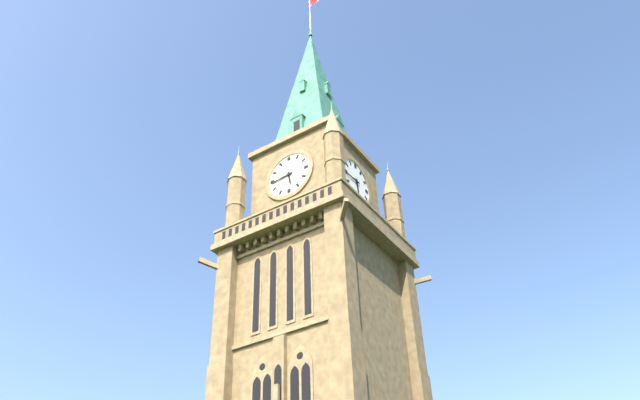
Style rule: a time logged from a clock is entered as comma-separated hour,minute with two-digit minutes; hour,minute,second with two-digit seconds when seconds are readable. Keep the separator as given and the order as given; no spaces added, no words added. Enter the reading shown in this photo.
5,44
